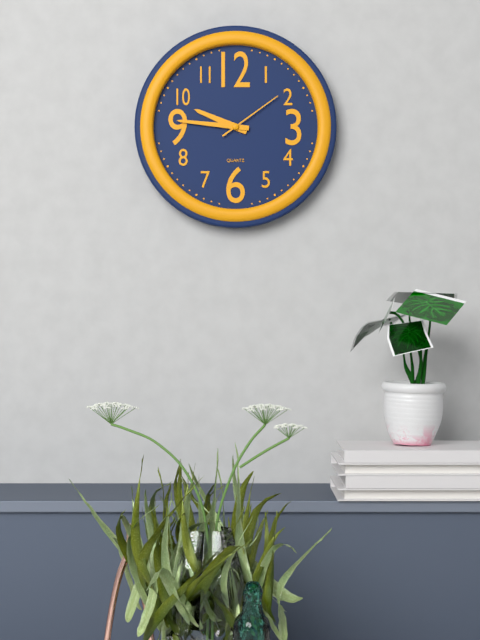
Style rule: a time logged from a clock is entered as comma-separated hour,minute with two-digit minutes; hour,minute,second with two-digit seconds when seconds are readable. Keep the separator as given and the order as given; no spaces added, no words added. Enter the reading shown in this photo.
9,46,09
